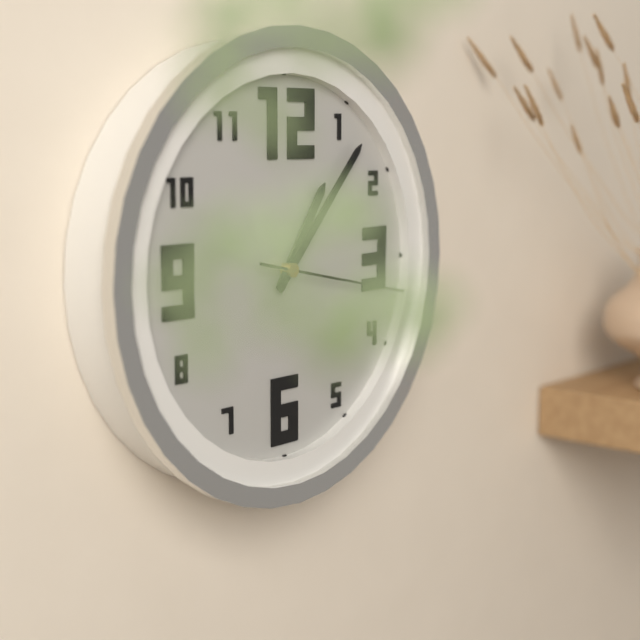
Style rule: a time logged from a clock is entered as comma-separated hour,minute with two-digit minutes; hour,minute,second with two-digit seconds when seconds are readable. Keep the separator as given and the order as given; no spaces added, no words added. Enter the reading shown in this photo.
1,07,17
